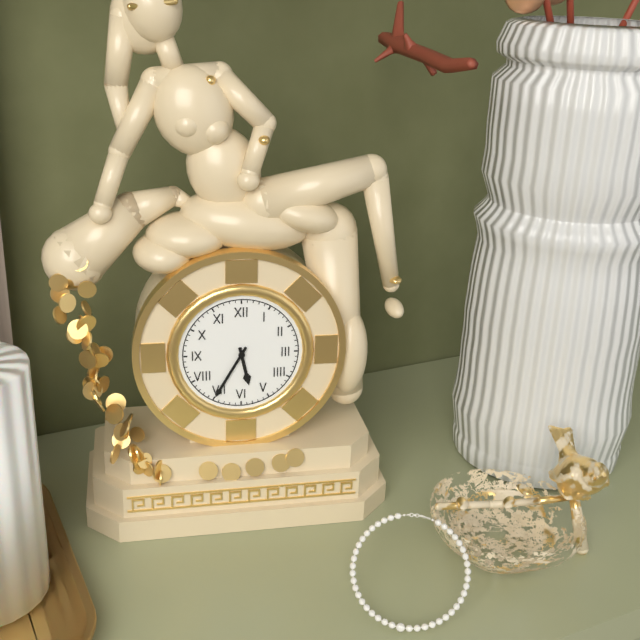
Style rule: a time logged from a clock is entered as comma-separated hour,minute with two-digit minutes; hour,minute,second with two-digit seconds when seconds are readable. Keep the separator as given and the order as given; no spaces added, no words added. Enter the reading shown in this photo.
5,35
